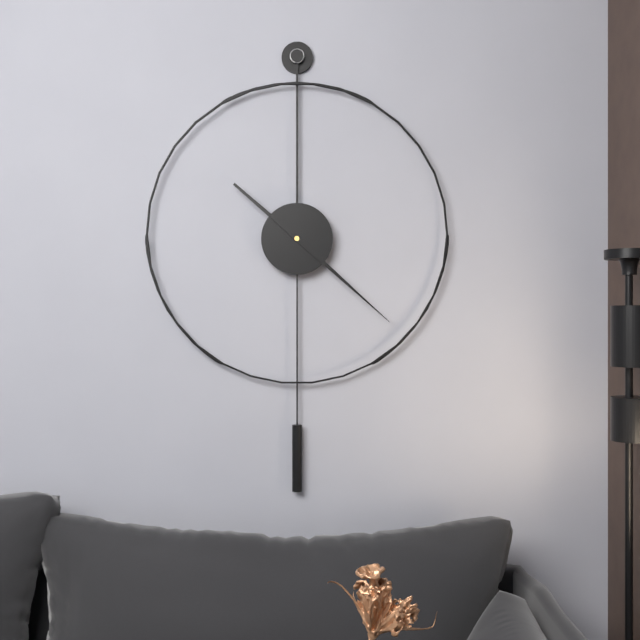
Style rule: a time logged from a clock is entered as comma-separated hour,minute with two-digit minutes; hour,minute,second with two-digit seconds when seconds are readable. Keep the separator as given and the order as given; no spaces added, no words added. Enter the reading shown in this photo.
10,22
